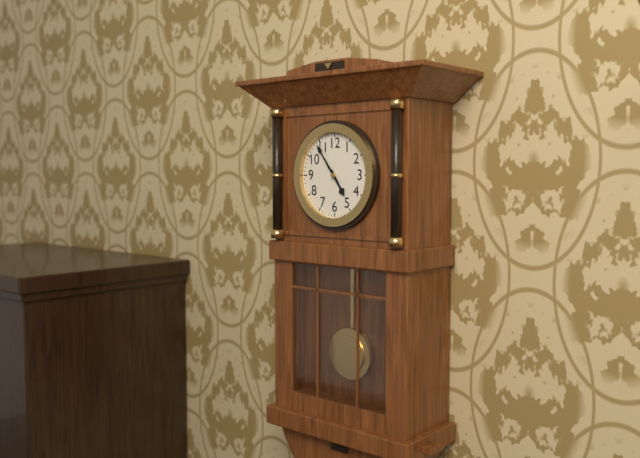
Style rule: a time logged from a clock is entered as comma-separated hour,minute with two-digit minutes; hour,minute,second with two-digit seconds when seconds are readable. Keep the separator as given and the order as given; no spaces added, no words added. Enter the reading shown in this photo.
4,54
